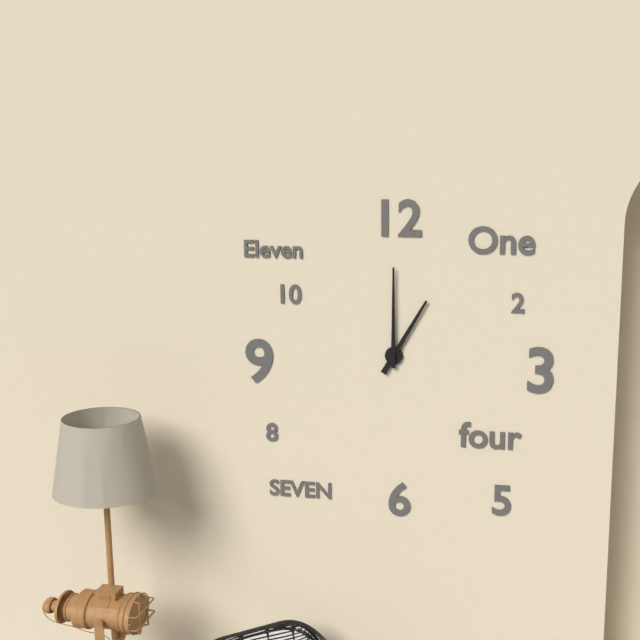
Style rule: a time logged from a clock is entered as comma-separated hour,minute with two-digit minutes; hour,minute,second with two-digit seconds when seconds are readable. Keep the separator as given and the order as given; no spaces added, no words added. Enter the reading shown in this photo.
1,00
